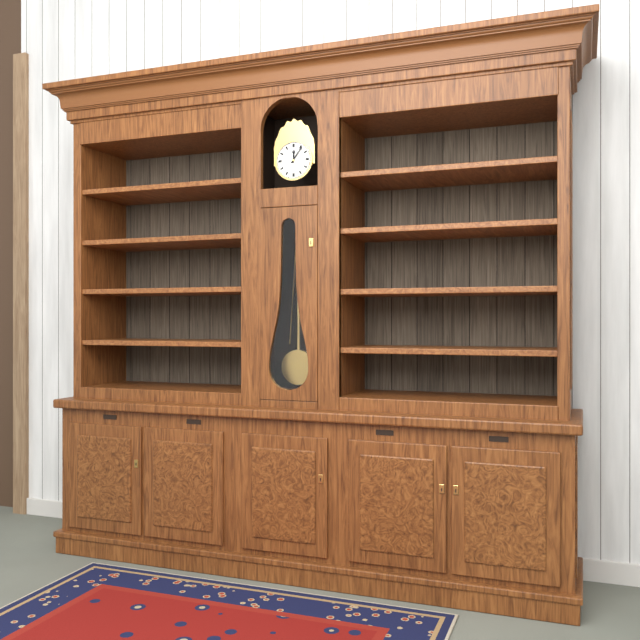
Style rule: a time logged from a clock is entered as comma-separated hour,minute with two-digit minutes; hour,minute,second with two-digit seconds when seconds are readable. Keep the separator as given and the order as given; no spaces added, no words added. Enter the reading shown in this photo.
12,06
